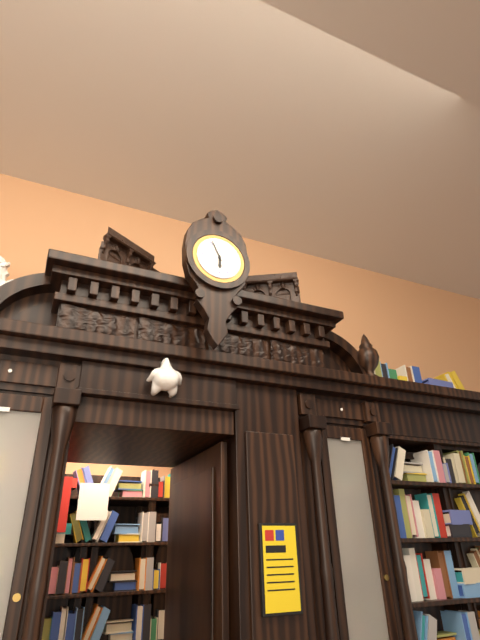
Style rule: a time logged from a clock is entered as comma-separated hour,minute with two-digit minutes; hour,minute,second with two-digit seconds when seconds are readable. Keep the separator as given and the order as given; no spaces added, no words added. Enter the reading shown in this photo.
5,56
